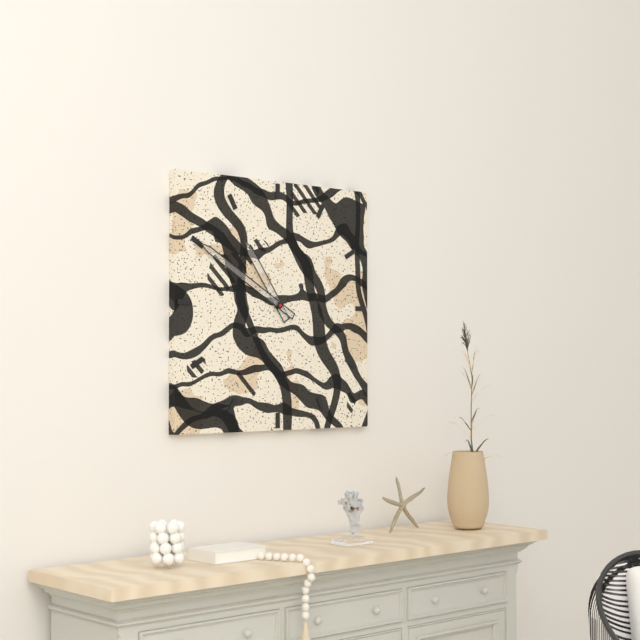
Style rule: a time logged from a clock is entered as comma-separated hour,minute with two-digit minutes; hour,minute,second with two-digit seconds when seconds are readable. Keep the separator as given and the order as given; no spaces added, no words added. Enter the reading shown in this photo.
10,50
